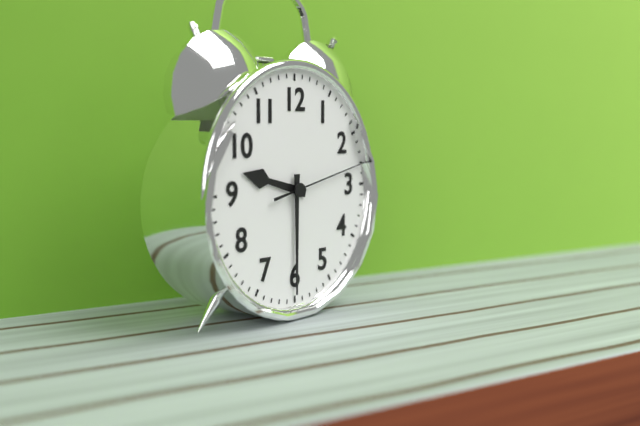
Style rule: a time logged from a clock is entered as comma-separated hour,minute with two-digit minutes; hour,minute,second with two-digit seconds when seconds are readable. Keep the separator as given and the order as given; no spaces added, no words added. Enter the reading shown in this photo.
9,30,13
